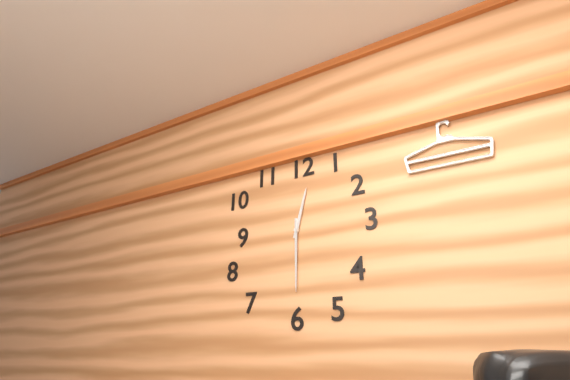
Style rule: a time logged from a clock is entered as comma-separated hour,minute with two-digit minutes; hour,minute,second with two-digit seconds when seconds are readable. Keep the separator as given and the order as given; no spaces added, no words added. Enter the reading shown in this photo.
12,30
